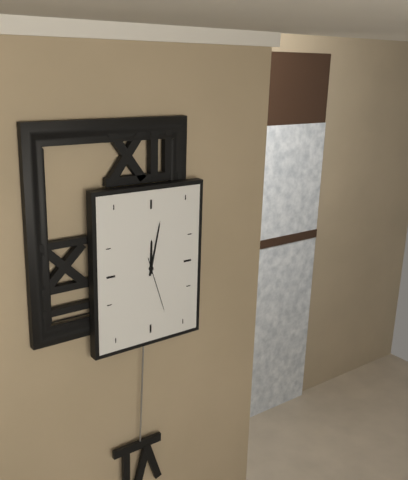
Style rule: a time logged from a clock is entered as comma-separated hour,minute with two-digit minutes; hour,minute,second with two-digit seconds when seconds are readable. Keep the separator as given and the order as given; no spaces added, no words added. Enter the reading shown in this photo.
12,02,27
